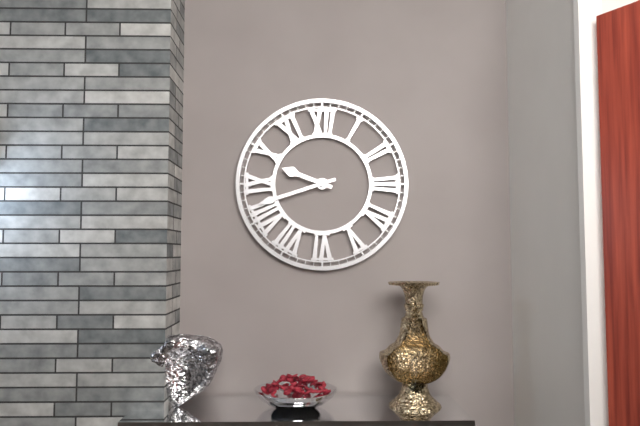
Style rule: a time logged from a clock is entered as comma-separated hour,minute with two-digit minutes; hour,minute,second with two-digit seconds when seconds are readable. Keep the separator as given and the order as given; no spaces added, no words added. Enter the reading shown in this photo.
9,42
